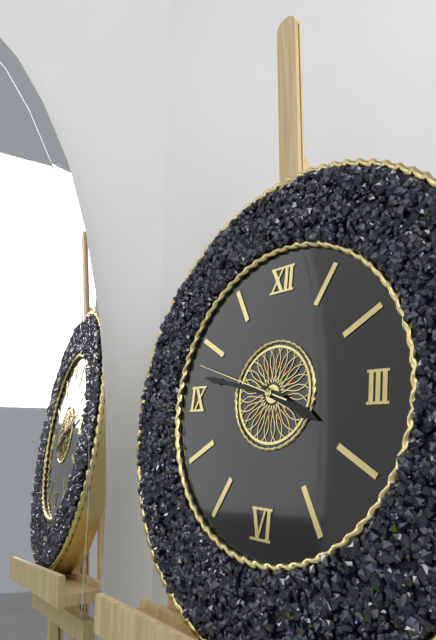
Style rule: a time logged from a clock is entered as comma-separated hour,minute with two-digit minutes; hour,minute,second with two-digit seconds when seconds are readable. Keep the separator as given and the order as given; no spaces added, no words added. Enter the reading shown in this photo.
3,47,48
